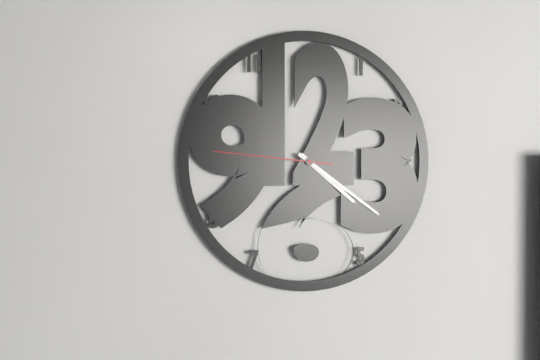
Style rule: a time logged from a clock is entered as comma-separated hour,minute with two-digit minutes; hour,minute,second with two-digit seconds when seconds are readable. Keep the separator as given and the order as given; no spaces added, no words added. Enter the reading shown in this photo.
4,21,46
